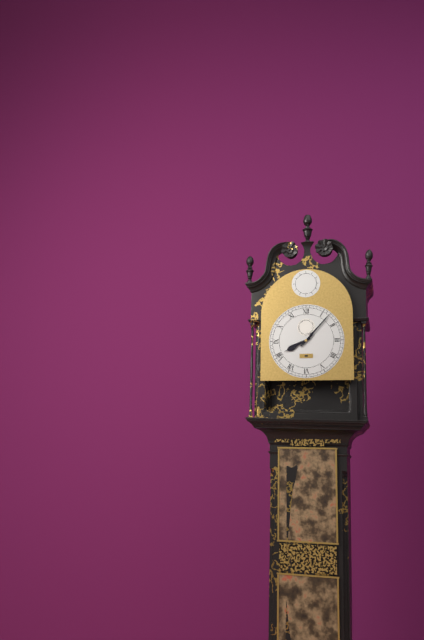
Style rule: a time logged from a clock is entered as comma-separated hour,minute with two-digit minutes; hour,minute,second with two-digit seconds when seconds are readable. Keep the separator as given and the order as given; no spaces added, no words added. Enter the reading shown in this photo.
8,07
